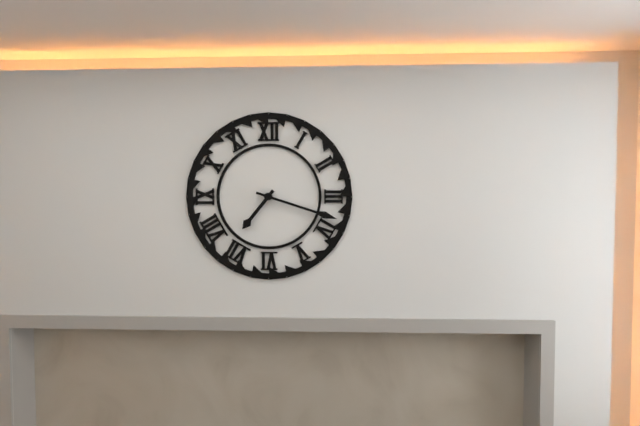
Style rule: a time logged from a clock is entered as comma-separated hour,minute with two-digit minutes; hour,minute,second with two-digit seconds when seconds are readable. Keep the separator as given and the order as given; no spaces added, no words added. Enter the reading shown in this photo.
7,18
